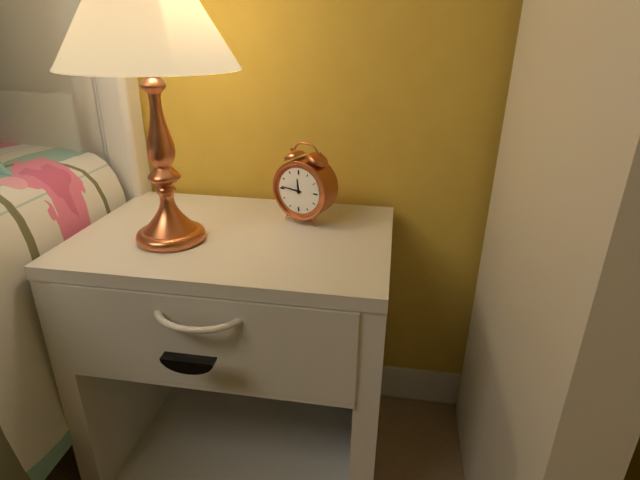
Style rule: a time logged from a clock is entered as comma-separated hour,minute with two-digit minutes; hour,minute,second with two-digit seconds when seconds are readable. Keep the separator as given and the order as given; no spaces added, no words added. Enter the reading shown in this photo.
11,46
